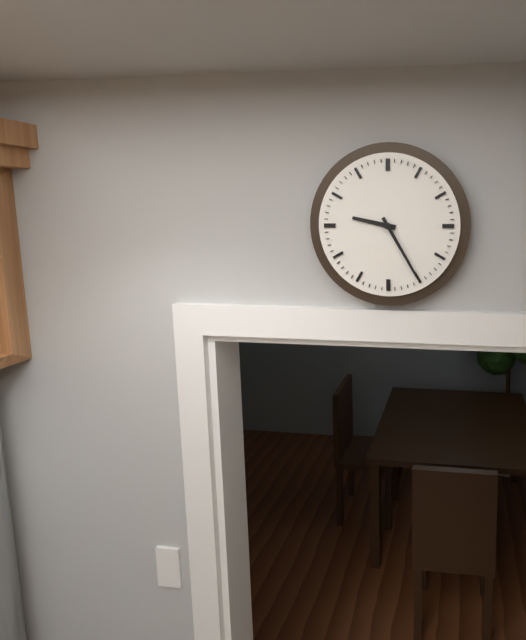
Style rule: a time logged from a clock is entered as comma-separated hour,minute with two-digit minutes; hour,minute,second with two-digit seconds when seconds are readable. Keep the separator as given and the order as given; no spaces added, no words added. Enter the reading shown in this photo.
9,25
